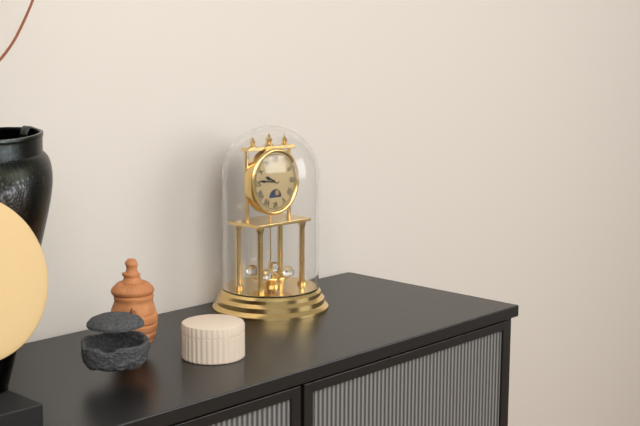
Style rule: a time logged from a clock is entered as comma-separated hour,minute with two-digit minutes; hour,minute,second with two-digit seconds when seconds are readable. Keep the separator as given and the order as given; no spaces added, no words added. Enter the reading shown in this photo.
9,46
